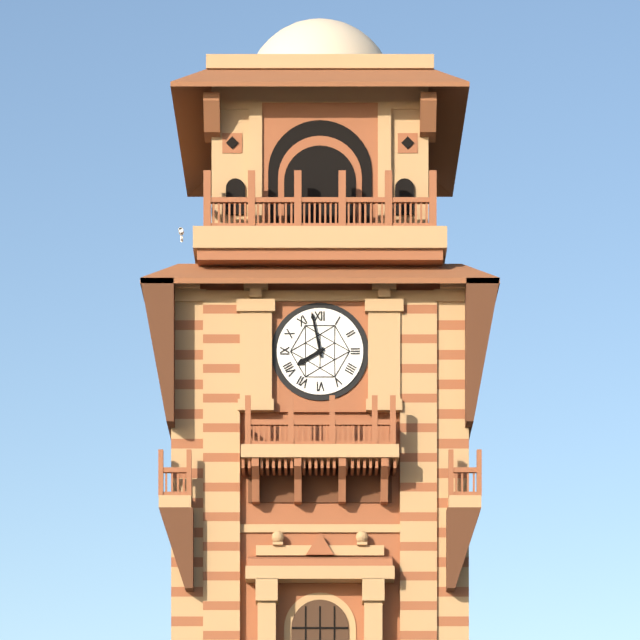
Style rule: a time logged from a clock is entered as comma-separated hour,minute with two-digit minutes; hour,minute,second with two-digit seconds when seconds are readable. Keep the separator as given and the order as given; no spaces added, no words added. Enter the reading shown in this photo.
7,58
